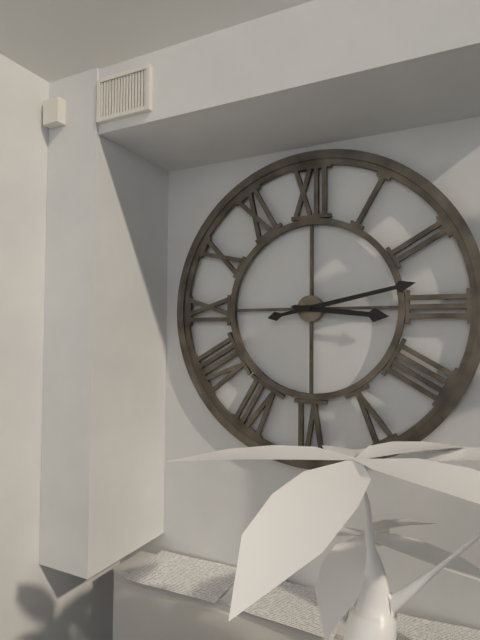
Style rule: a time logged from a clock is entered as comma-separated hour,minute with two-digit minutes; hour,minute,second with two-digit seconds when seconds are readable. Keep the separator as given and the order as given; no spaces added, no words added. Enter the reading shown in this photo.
3,13
